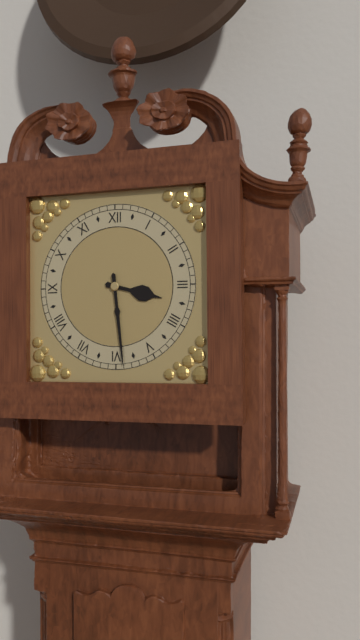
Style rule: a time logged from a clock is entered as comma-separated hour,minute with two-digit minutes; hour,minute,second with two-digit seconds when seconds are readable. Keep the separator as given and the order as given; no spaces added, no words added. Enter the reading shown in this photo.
3,29
